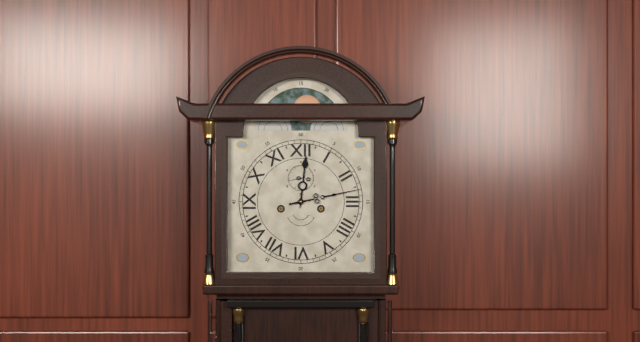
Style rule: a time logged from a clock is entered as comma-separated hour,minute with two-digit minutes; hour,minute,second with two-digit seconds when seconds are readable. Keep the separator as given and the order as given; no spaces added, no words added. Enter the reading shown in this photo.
12,13
